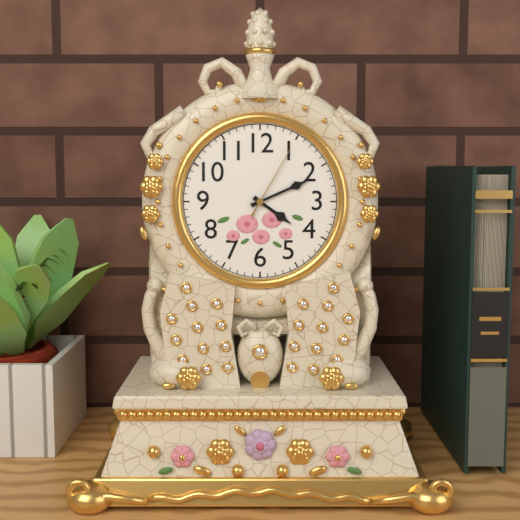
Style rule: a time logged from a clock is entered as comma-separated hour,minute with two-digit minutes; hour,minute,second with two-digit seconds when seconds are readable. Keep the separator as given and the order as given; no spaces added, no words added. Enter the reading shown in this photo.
4,11,05
